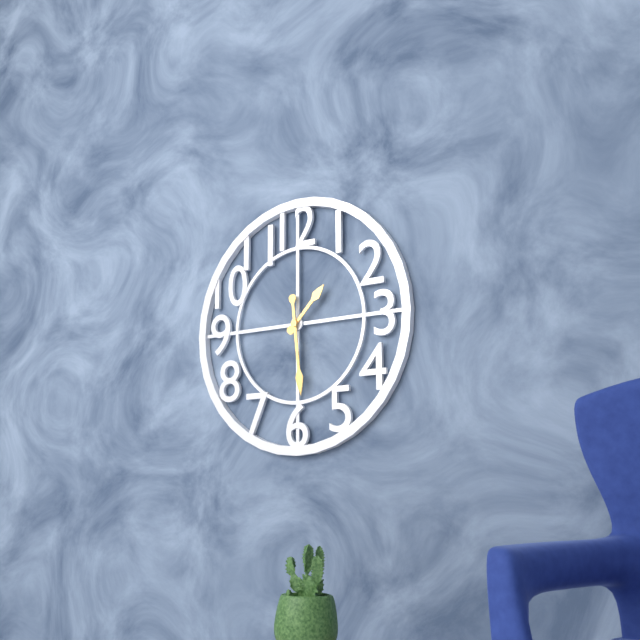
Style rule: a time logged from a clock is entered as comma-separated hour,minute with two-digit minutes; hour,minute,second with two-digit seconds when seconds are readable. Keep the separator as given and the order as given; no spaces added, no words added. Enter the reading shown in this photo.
1,29
